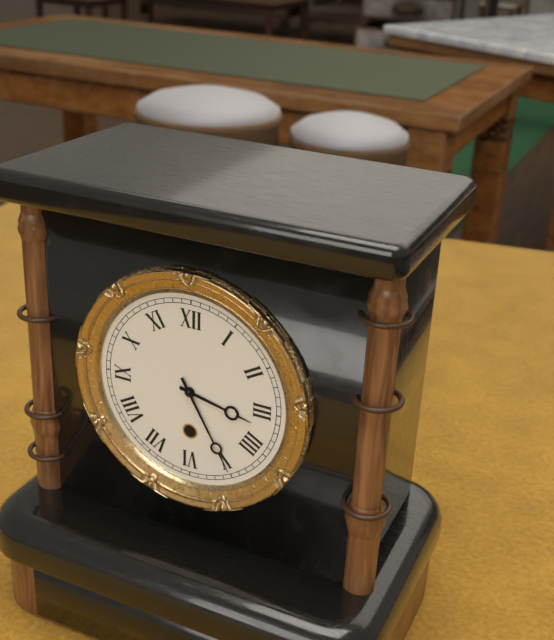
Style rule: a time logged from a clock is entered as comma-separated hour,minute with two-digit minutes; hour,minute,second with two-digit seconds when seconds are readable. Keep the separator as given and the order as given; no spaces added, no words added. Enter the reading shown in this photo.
3,25
